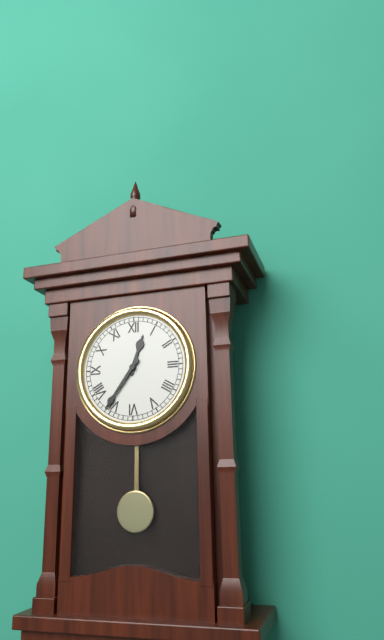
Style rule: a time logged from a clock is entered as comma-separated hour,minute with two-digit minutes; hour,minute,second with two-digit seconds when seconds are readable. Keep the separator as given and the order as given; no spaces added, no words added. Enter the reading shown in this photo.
12,36
